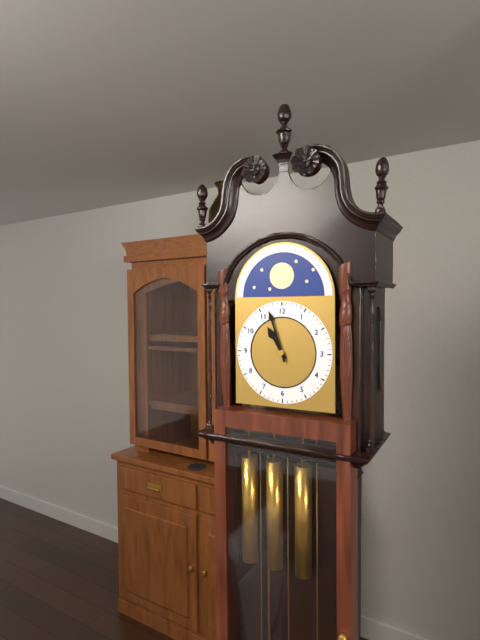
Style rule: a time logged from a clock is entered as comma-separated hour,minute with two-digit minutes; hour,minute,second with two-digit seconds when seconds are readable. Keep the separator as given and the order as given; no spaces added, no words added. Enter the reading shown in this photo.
10,57
